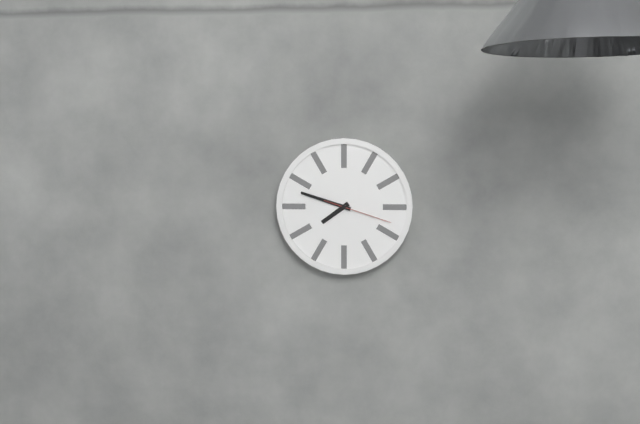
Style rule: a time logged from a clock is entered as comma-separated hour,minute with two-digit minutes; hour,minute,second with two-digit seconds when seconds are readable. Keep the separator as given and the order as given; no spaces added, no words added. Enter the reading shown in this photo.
7,48,18
